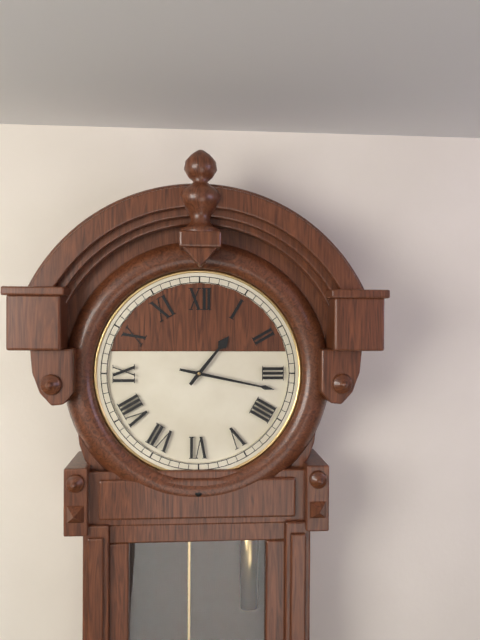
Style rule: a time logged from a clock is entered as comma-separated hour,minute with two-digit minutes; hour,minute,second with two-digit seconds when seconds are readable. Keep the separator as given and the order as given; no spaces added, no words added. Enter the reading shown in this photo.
1,17
